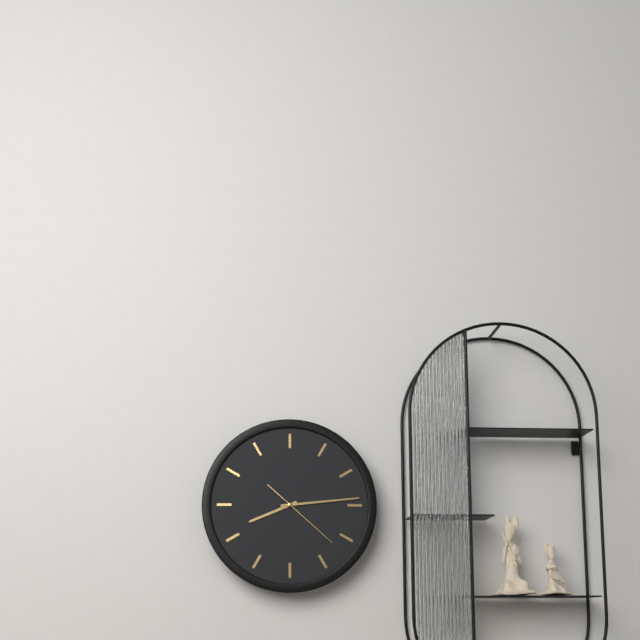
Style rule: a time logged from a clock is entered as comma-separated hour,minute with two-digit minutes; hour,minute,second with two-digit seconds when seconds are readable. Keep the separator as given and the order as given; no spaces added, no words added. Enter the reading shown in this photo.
8,14,22
